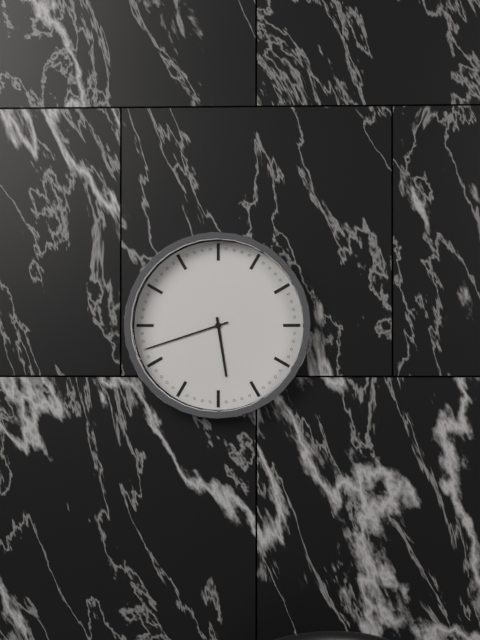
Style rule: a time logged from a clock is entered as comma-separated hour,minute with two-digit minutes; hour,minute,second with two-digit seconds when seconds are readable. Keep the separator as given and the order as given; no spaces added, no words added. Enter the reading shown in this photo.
5,42
